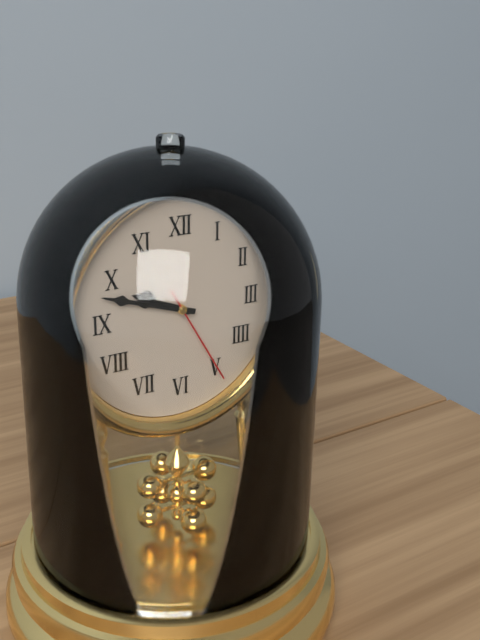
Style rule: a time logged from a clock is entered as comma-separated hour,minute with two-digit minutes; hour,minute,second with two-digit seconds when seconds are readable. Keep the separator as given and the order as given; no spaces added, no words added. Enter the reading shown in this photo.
9,48,25
